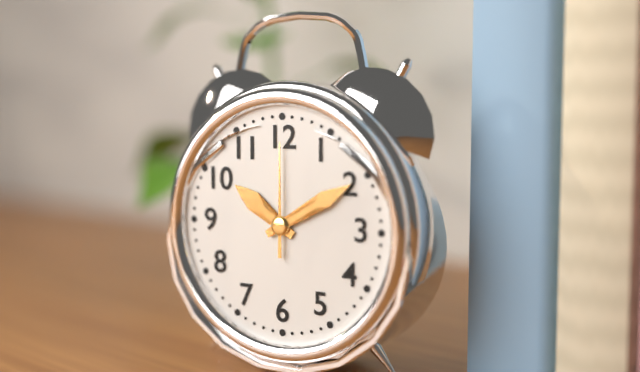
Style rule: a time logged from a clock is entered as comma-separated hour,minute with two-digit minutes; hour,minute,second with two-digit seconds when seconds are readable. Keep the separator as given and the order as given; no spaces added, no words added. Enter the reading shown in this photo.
10,10,00
